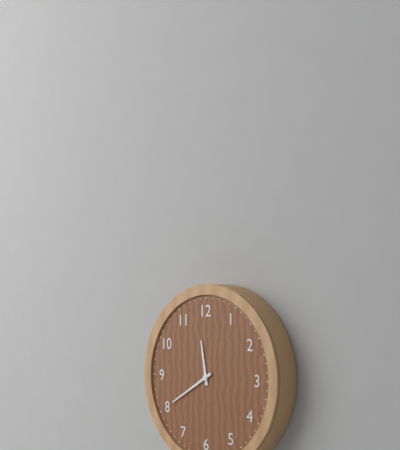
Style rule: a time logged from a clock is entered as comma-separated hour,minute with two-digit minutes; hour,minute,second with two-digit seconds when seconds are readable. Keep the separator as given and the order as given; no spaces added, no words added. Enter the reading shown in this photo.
11,40
